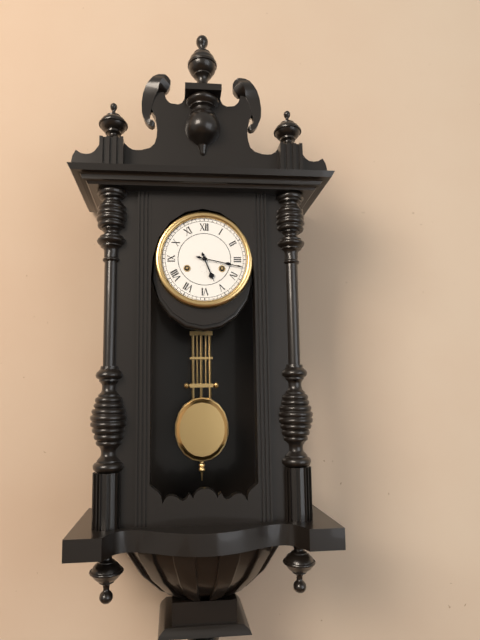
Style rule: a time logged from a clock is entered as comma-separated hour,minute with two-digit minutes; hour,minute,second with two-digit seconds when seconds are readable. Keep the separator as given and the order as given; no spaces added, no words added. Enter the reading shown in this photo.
5,17
